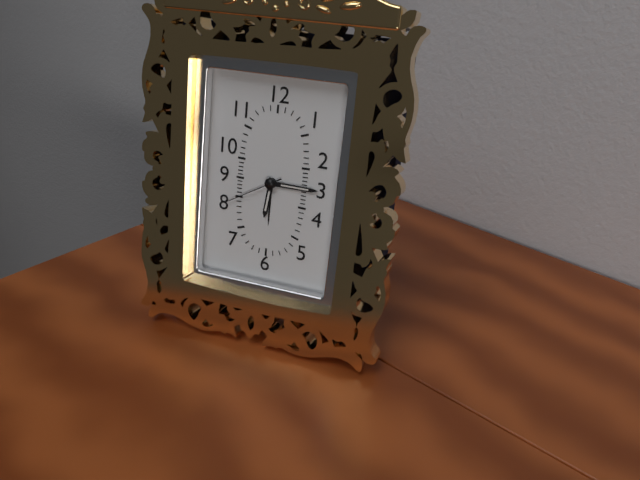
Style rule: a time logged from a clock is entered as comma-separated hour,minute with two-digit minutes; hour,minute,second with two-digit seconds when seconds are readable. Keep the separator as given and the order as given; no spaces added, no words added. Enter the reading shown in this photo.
6,15,40
